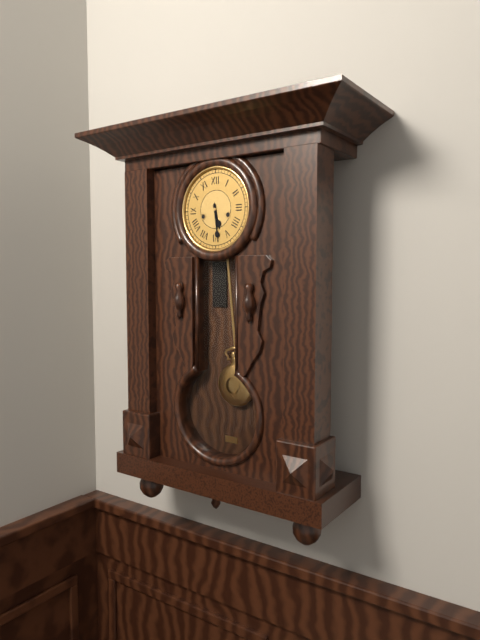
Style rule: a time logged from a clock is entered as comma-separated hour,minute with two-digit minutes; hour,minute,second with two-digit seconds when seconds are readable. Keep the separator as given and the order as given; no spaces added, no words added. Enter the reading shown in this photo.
5,29
